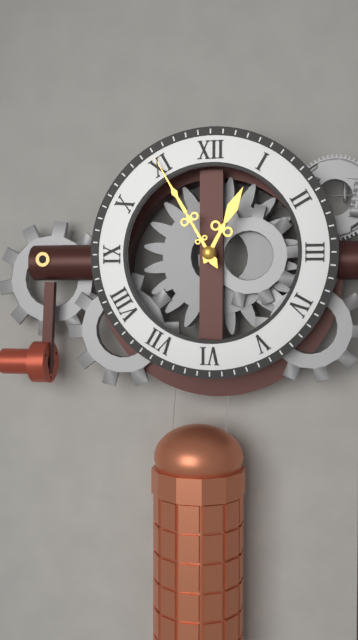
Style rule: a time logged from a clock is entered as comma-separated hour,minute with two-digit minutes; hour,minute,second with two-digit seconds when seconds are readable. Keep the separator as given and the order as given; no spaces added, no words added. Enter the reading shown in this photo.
12,55
